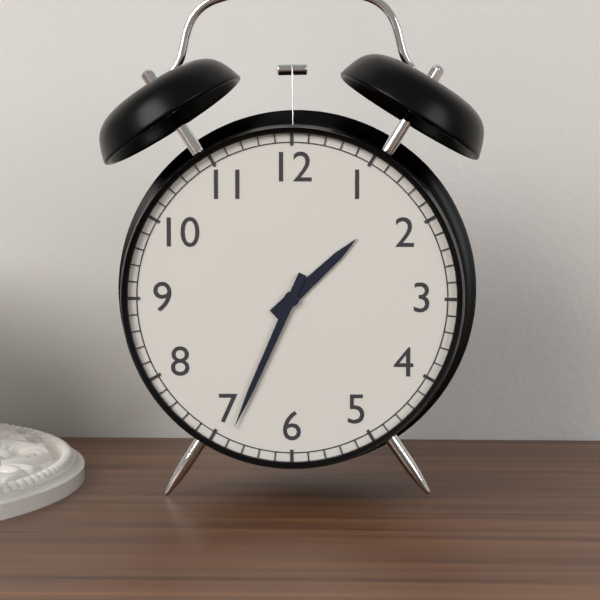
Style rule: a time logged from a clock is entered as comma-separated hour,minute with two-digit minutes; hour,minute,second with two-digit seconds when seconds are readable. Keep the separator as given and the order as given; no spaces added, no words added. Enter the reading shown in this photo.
1,34
